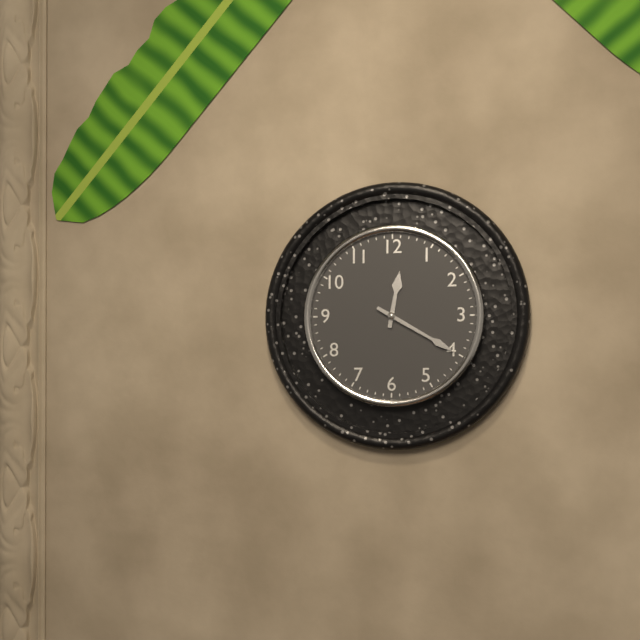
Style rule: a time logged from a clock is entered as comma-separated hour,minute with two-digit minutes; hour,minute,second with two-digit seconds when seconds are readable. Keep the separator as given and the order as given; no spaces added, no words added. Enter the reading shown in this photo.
12,20
